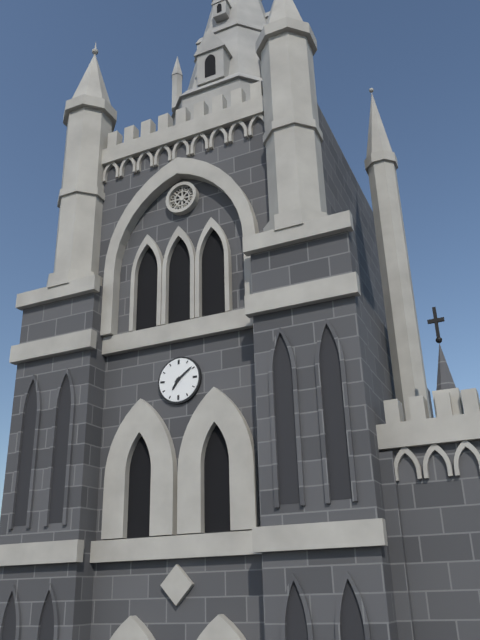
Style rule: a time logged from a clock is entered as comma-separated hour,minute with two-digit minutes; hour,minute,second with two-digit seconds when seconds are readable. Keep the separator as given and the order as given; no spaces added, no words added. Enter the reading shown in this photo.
7,09
